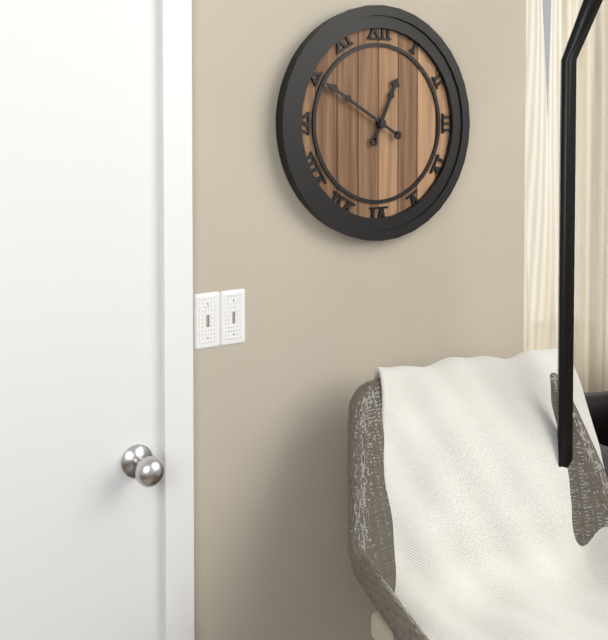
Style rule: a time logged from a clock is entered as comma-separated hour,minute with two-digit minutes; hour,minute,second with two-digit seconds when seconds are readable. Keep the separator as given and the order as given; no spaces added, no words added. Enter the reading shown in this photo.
12,50
